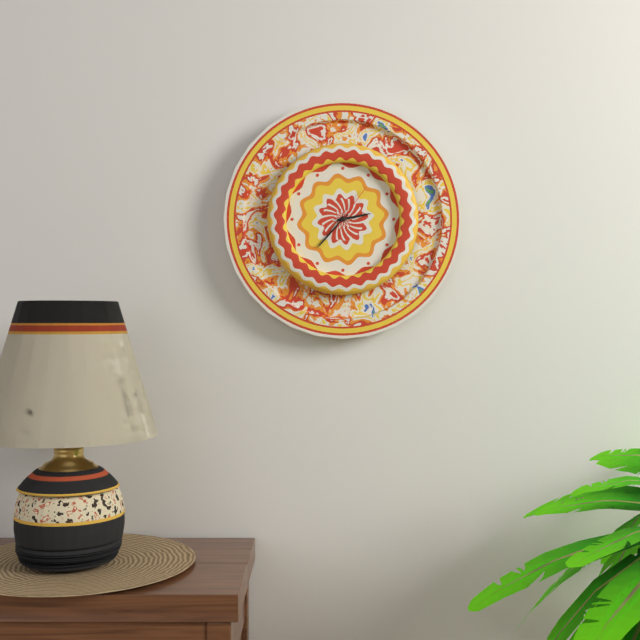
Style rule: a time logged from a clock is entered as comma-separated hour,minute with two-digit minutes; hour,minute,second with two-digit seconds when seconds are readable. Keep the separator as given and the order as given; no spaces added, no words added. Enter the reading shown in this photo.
2,37
